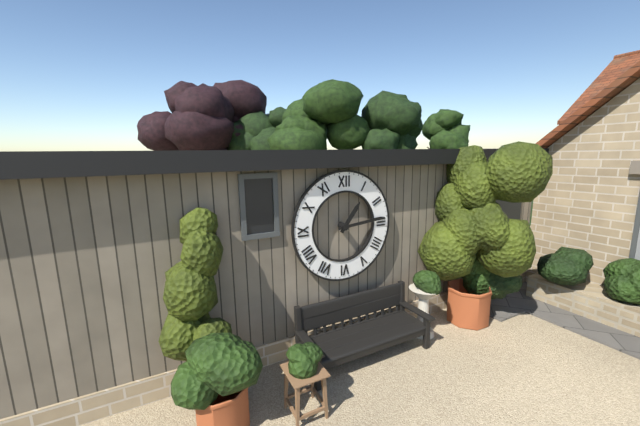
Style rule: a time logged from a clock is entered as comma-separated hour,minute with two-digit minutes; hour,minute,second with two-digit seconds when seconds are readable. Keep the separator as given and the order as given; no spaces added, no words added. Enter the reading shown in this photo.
1,14
